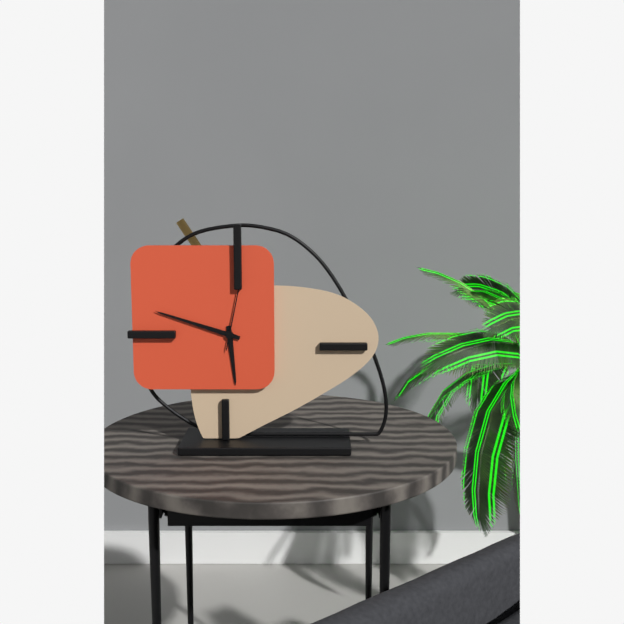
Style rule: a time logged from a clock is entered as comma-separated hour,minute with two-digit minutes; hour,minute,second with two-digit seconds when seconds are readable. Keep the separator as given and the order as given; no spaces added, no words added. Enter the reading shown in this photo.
5,48,02
